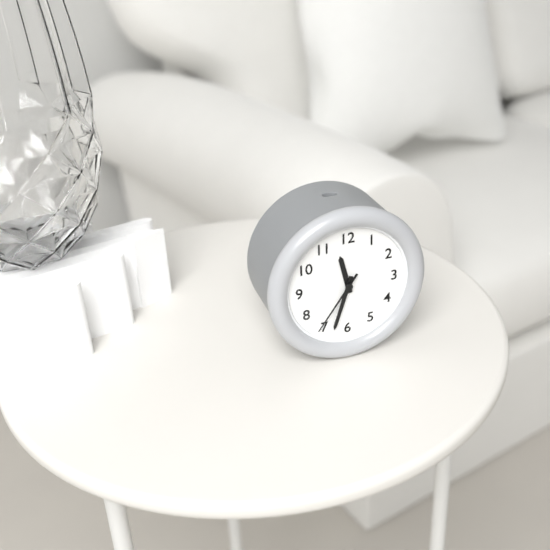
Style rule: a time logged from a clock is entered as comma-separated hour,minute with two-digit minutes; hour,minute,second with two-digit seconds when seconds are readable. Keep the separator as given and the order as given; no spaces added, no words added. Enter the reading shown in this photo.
11,33,36
